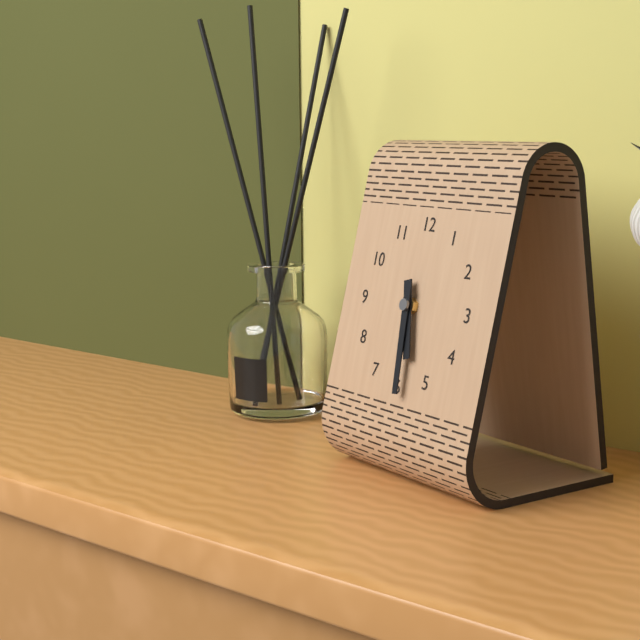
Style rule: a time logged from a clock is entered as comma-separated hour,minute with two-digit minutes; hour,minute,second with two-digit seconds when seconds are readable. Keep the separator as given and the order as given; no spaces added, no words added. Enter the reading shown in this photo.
5,29
